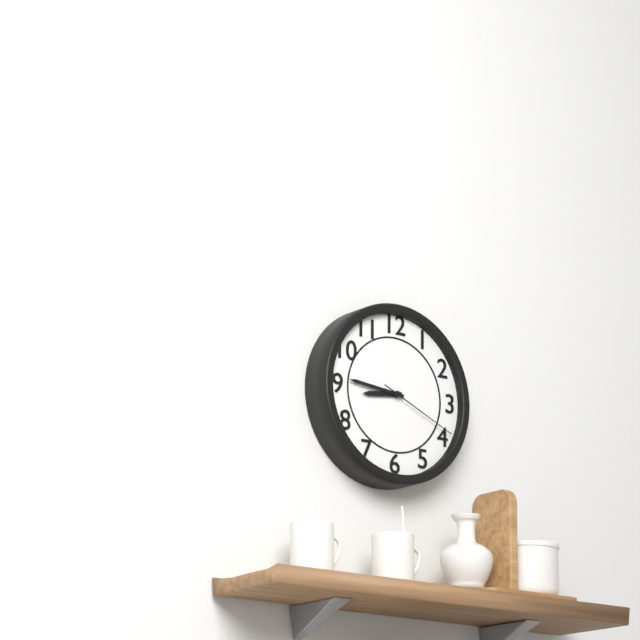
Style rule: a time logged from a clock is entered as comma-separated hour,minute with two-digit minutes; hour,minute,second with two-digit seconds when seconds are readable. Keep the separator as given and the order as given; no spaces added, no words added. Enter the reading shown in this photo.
8,46,19
